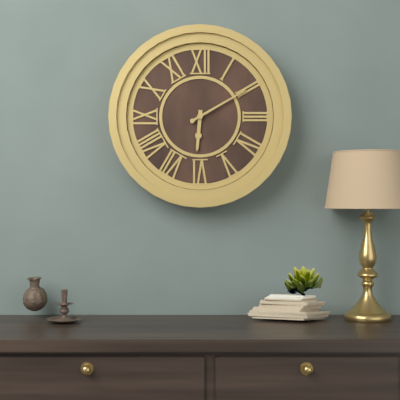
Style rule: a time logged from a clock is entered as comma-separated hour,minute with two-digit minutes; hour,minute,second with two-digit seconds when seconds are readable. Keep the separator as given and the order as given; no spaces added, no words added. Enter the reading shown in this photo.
6,10
